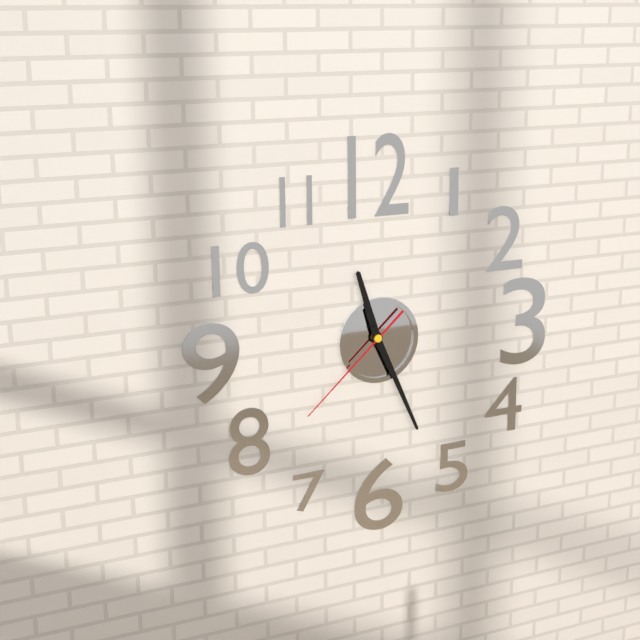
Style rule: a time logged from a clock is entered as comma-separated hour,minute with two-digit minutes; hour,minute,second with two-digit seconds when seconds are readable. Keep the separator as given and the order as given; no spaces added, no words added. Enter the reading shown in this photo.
11,26,38
